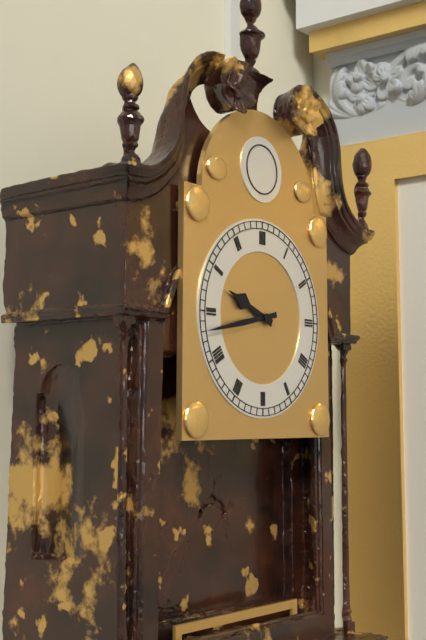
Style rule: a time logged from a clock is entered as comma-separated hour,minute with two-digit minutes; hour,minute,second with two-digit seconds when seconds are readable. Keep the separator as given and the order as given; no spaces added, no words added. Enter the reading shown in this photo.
9,43
